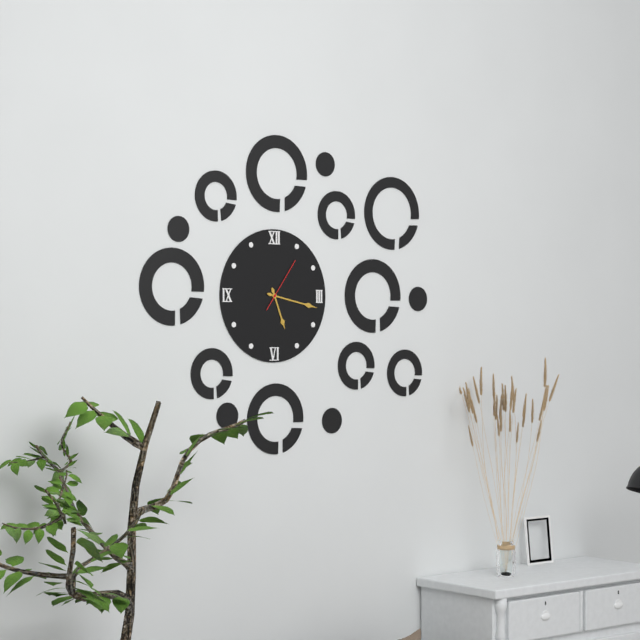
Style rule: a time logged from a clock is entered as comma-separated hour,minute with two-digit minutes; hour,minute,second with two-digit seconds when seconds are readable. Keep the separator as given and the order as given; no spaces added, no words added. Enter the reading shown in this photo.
5,17,06
